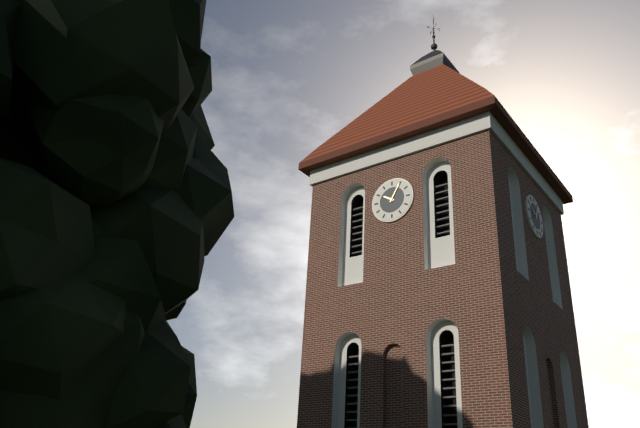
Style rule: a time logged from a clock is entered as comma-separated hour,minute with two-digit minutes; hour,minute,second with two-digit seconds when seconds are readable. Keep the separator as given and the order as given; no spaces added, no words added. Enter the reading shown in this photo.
10,05
